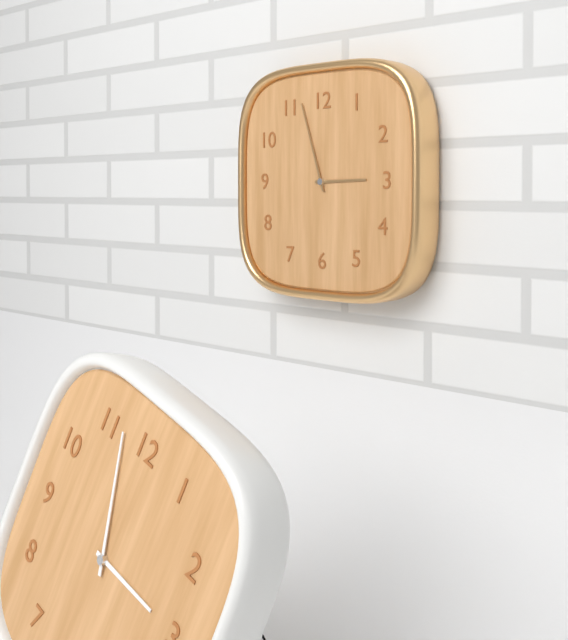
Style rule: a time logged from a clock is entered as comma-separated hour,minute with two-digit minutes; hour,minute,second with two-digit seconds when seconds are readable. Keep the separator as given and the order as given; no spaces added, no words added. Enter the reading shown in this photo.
2,57
